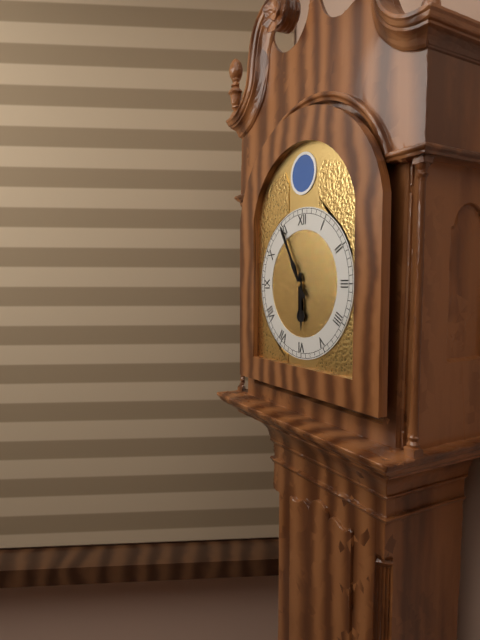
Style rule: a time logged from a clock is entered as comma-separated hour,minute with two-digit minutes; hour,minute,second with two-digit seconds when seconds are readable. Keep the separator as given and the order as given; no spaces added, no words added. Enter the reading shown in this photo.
5,55
